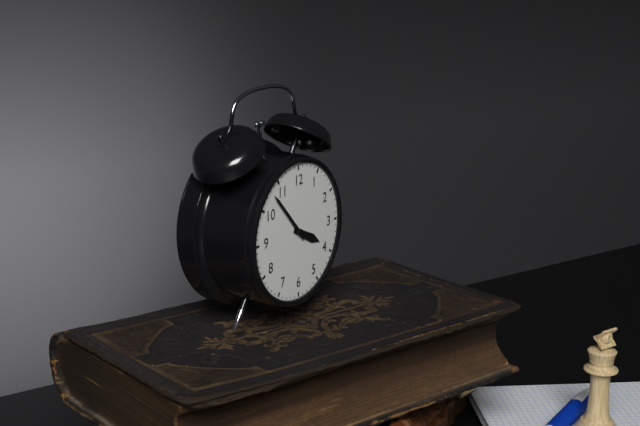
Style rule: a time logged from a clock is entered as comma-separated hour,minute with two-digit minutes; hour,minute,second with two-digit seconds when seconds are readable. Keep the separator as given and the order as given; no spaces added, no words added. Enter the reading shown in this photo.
3,53
